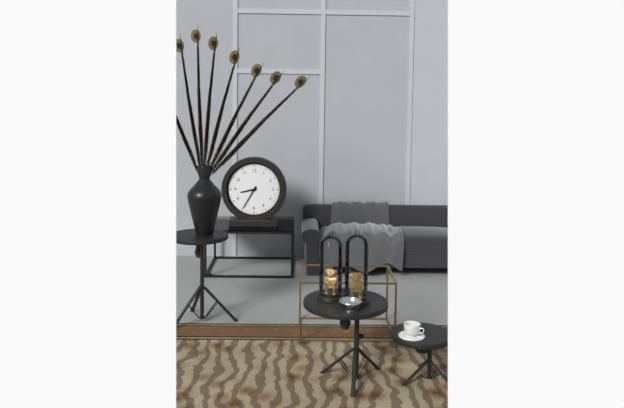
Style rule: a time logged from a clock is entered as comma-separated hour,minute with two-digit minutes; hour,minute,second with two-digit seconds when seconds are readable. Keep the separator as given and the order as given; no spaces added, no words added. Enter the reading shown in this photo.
8,35
